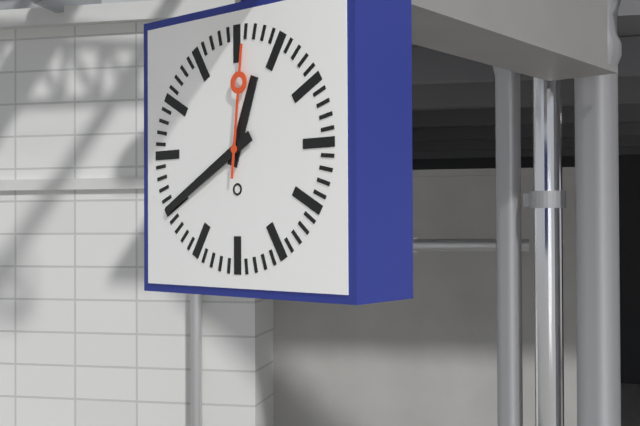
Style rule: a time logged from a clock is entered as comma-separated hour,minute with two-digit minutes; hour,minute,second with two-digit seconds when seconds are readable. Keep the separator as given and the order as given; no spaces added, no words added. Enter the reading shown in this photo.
12,40,01
